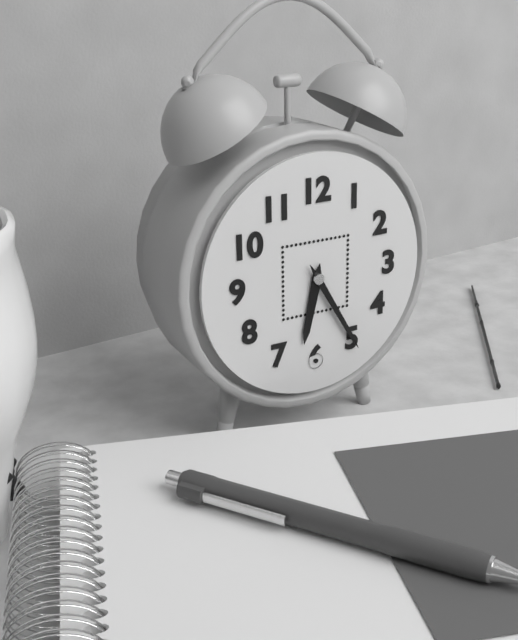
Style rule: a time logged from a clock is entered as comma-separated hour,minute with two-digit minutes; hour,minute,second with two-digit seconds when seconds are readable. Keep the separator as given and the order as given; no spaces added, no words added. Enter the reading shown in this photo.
6,25
